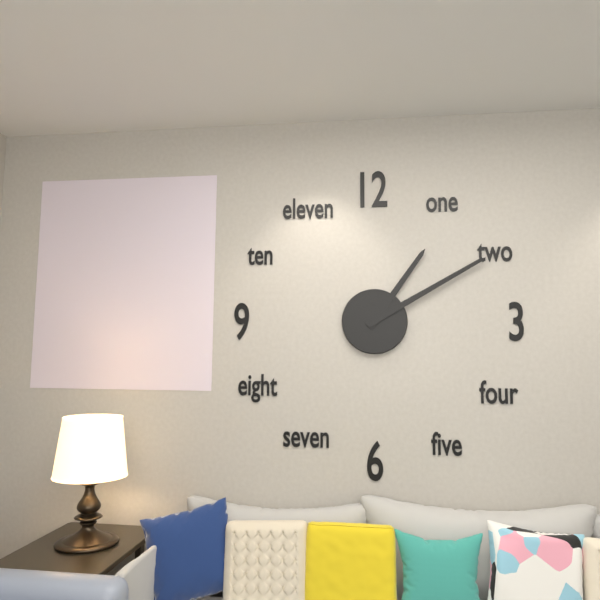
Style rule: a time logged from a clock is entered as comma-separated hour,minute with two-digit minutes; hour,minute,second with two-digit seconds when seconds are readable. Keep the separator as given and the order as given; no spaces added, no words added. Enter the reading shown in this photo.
1,10
